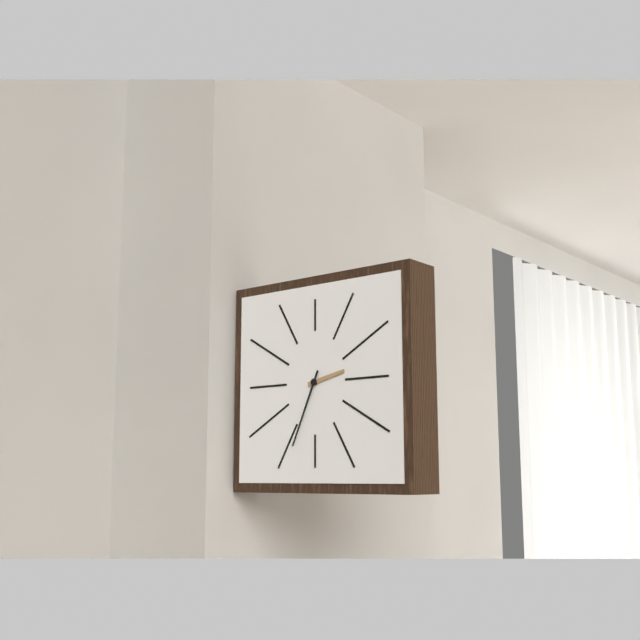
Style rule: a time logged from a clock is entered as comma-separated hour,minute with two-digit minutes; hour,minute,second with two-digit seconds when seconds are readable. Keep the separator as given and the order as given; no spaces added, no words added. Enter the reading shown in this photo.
2,34
